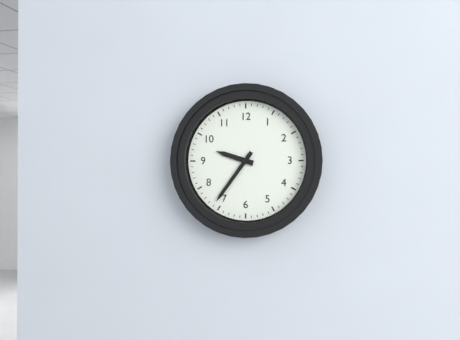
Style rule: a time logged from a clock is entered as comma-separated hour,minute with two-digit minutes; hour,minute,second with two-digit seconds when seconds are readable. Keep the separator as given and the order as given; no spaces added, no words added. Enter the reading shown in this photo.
9,36
